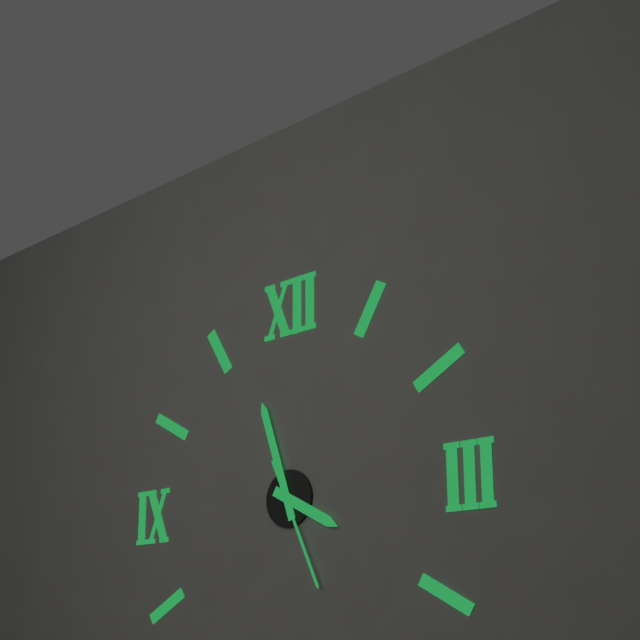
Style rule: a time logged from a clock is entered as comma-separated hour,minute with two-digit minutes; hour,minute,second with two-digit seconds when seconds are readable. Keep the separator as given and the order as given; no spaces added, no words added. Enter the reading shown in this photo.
3,57,26
